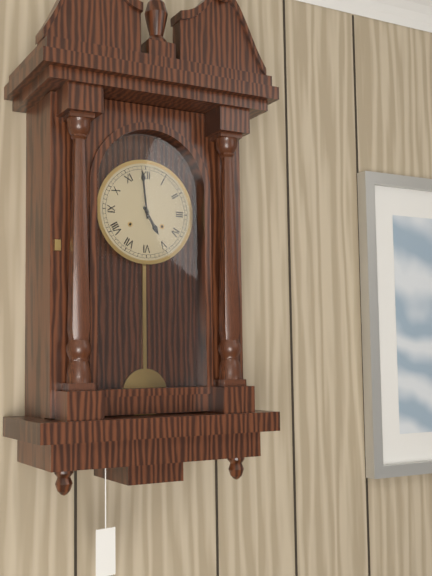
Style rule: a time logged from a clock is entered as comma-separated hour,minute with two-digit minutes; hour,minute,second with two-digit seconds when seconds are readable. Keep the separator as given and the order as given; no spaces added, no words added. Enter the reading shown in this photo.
4,59
